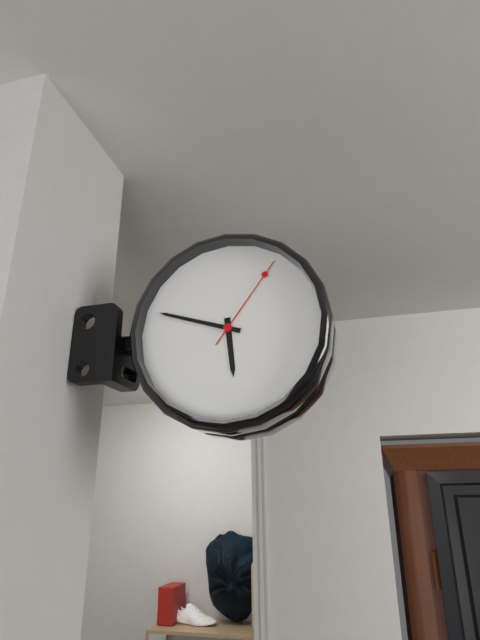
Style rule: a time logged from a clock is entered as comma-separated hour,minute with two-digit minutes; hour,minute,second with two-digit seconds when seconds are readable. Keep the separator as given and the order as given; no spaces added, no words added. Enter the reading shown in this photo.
5,48,06
